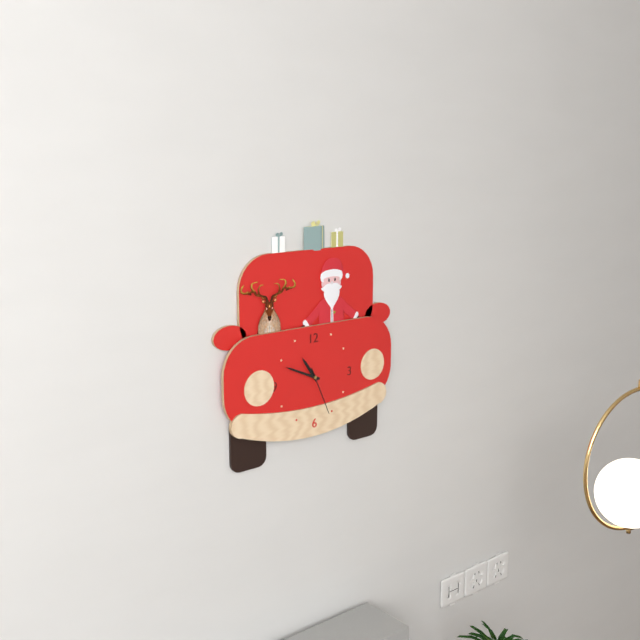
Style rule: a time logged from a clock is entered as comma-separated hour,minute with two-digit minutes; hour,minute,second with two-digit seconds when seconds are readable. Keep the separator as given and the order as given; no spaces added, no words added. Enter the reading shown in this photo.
10,49
